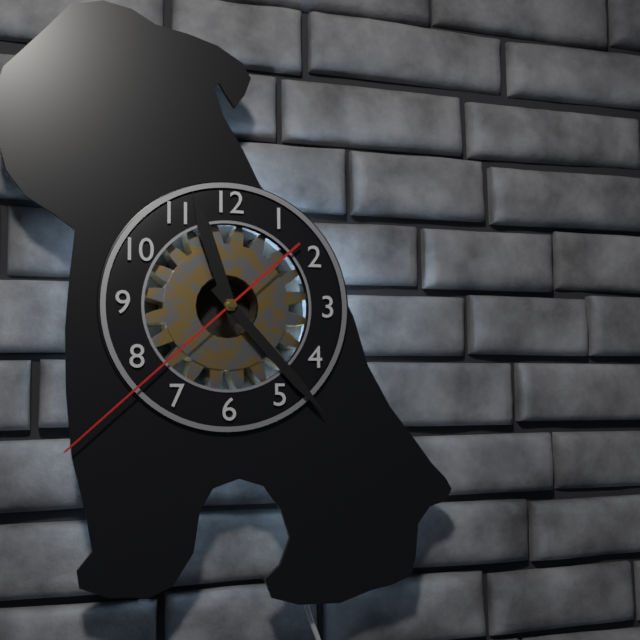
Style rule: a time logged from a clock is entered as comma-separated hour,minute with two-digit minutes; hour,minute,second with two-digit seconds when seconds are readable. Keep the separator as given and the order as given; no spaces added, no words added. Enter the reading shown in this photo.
11,23,38
